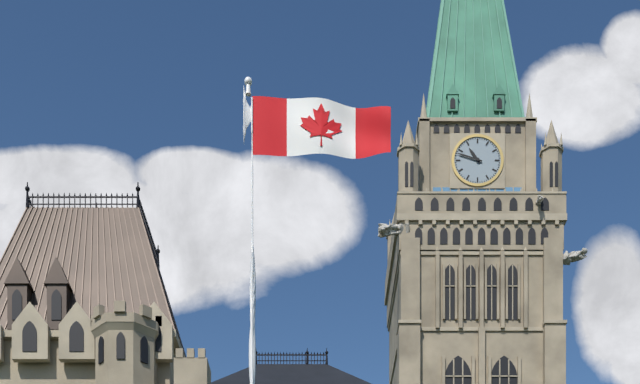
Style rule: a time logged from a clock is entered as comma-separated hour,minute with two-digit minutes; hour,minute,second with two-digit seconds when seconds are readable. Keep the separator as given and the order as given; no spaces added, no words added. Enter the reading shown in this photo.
10,48
